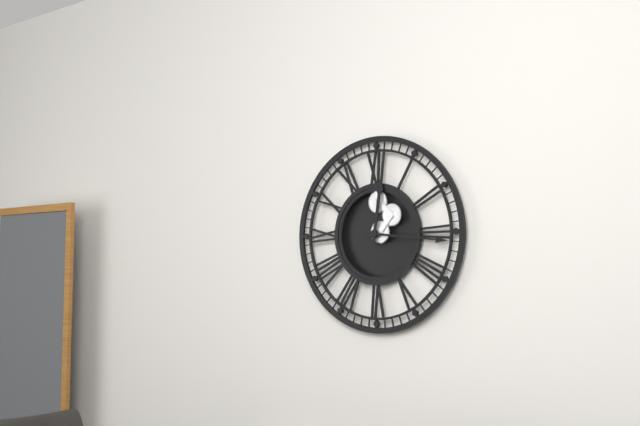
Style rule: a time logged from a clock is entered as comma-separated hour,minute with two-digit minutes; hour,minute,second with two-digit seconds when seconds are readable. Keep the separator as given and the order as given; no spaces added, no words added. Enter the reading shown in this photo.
12,16
